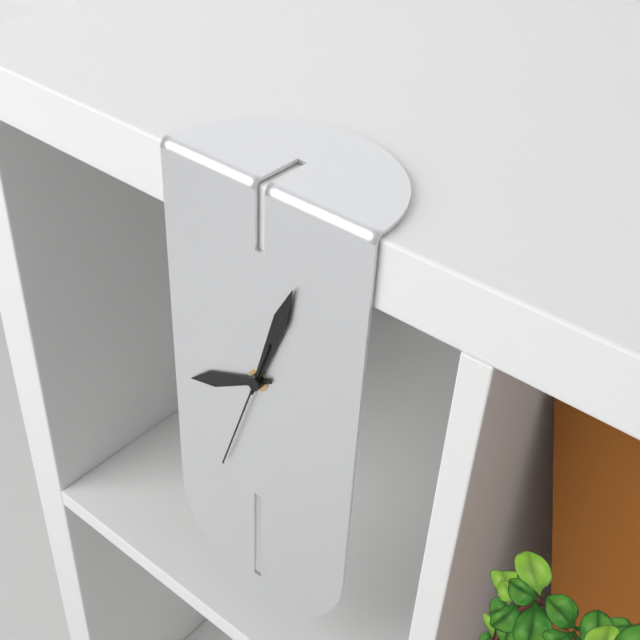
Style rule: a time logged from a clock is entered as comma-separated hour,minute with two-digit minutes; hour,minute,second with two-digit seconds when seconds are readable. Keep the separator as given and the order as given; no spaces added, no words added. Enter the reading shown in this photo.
8,03,33
